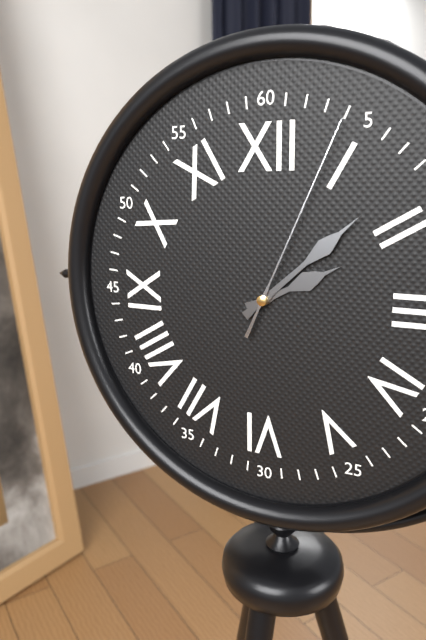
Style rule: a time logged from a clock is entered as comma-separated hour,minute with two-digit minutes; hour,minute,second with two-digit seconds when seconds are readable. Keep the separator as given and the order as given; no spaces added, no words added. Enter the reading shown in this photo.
2,08,04
